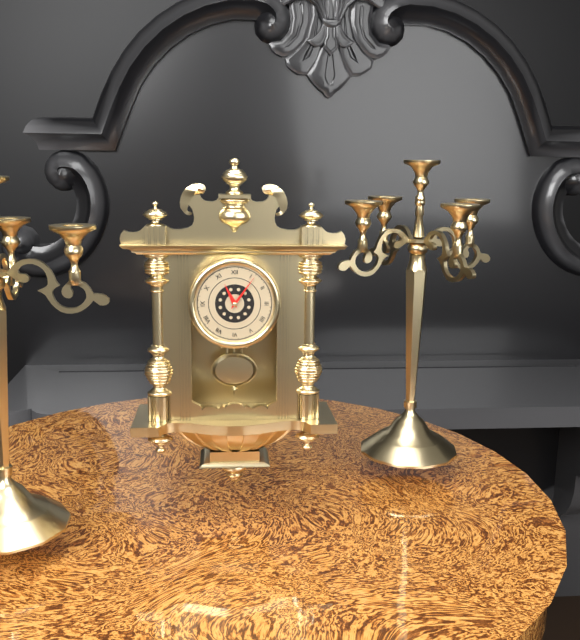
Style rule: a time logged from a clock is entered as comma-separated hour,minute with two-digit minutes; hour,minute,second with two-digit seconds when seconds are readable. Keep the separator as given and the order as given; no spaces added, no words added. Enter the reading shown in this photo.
11,06
